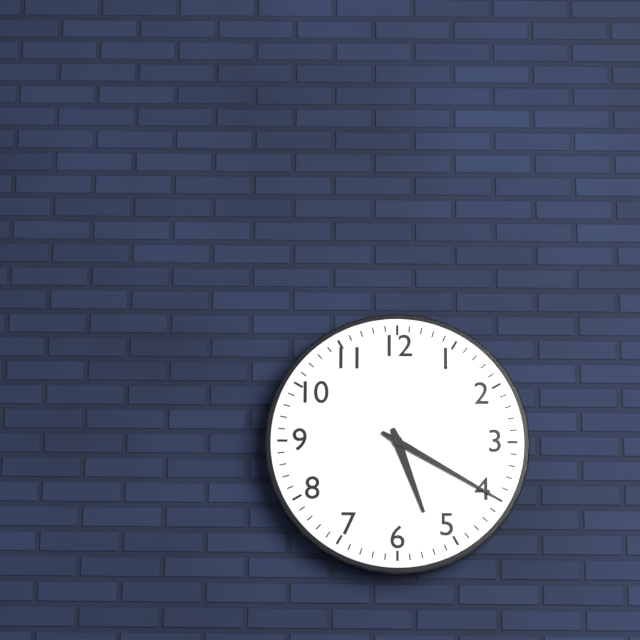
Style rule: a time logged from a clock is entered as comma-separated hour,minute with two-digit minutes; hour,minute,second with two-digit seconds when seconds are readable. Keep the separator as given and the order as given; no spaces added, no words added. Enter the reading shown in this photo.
5,20
